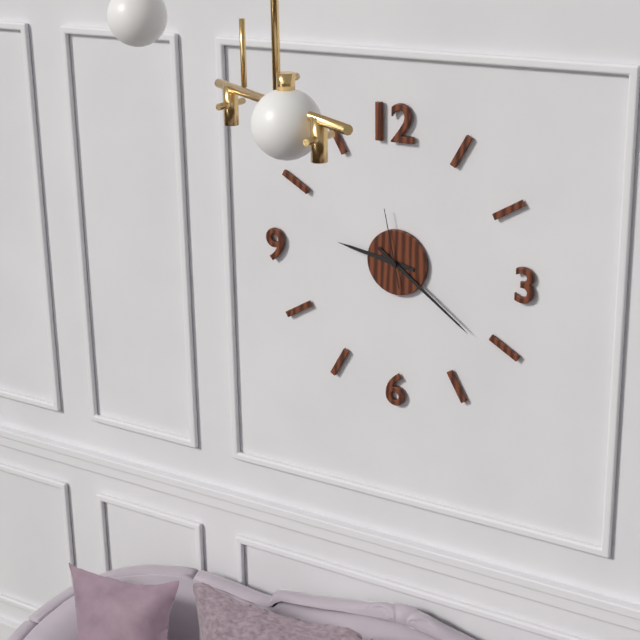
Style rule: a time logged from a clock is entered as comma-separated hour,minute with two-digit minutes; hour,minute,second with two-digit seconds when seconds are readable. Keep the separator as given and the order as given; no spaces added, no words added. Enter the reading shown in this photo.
9,21,58
